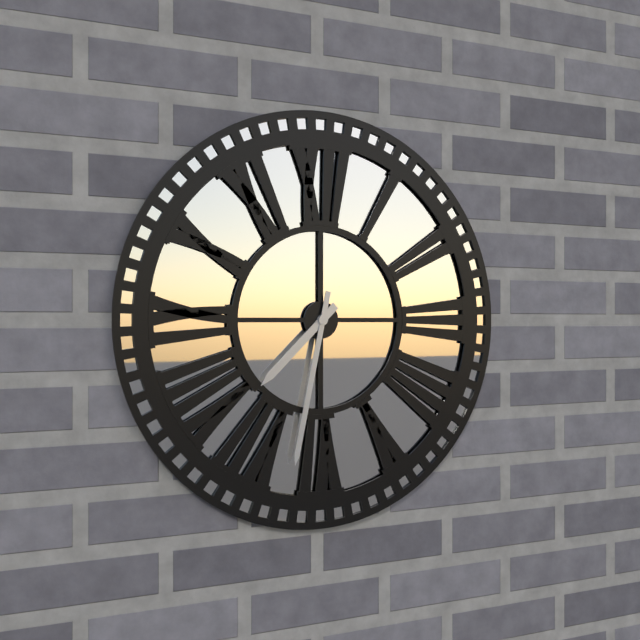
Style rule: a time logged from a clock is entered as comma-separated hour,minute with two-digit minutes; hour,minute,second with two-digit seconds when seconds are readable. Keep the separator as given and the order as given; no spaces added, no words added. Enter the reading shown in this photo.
7,32
